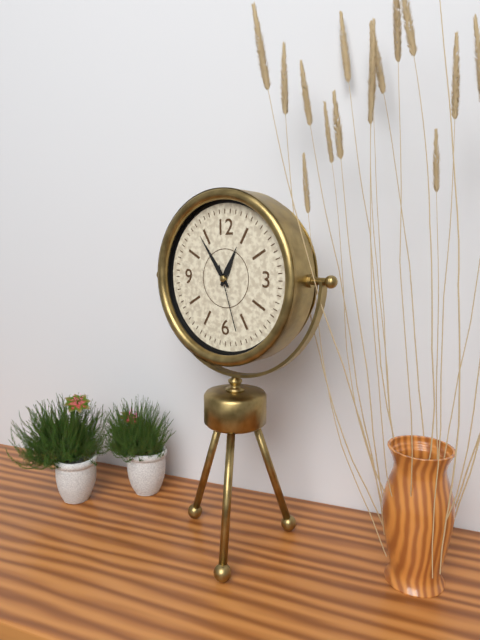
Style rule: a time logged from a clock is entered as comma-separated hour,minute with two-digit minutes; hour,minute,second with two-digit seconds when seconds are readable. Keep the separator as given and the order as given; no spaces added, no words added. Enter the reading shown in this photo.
12,54,27
